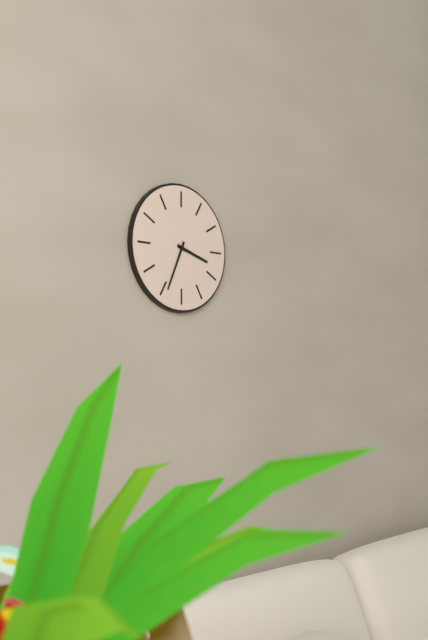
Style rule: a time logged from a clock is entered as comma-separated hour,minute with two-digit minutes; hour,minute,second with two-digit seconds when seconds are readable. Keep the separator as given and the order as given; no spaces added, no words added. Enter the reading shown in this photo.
3,34
